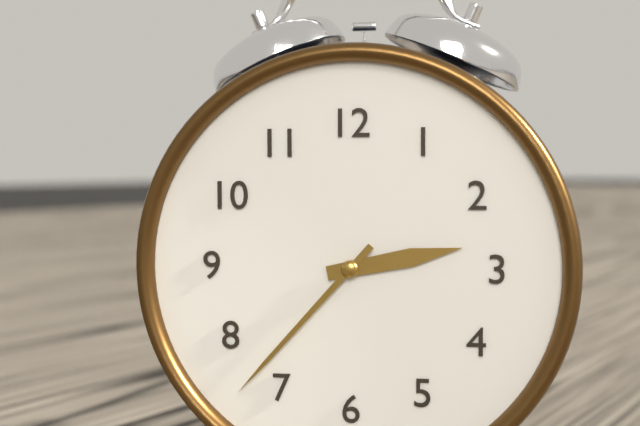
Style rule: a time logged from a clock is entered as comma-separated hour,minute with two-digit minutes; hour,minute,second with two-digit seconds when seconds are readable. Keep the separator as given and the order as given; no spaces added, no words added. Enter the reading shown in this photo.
2,37
